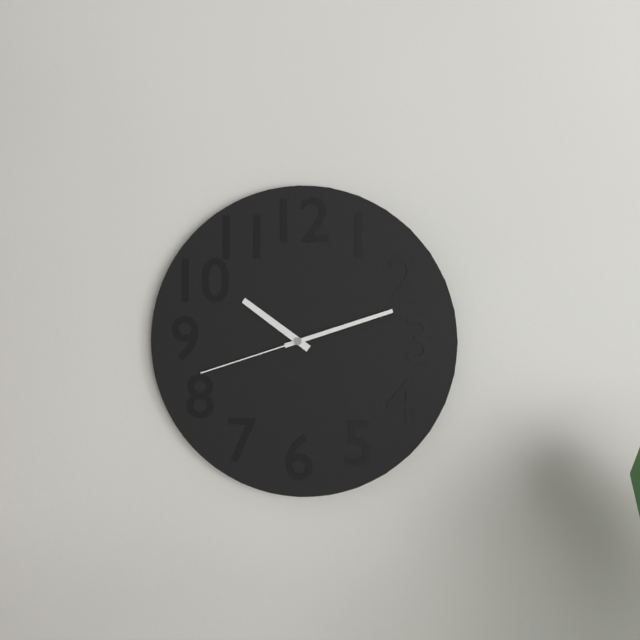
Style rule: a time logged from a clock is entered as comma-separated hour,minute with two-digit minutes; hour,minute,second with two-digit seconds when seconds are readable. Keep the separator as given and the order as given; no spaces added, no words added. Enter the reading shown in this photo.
10,12,42
